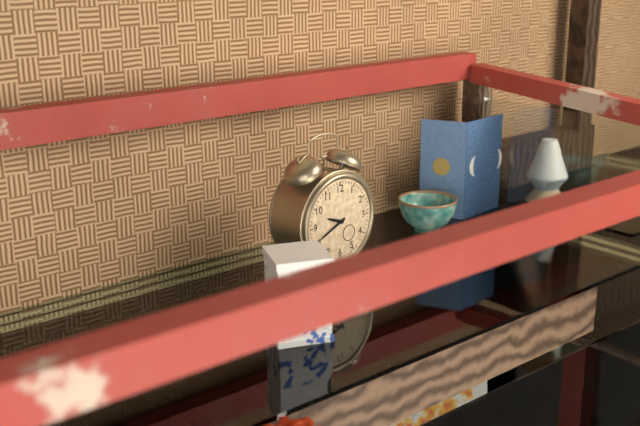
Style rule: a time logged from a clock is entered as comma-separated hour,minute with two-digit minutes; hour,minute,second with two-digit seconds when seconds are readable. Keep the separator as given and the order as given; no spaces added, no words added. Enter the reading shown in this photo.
9,41
